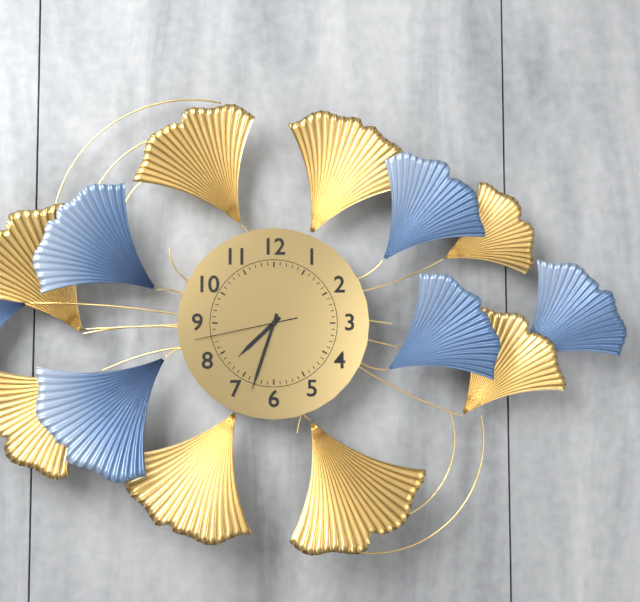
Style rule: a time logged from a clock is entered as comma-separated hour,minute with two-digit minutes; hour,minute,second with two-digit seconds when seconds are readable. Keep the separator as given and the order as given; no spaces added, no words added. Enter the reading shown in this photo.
7,33,43
